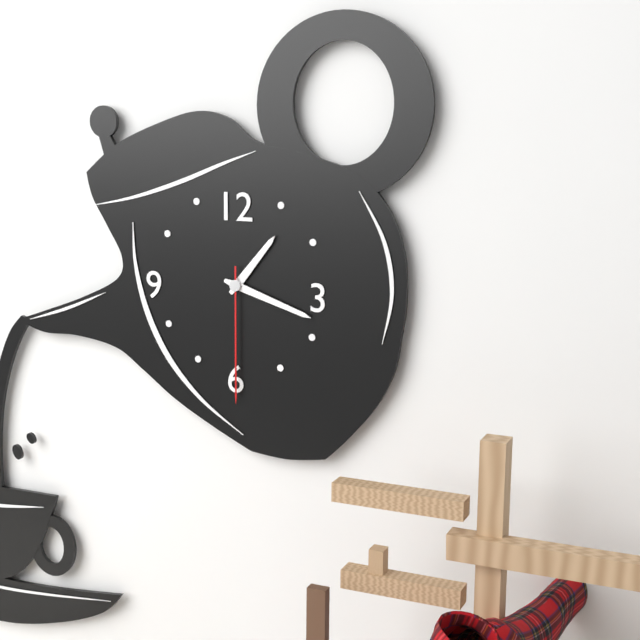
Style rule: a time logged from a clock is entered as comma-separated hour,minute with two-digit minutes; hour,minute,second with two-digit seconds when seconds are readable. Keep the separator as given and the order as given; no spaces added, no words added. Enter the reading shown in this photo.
1,18,30
